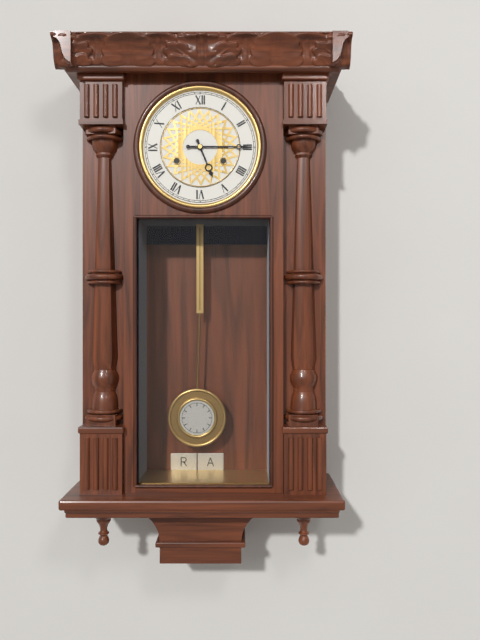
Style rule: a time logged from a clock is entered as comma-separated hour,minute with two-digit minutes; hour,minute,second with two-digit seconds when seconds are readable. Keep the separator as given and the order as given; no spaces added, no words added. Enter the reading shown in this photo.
5,15
